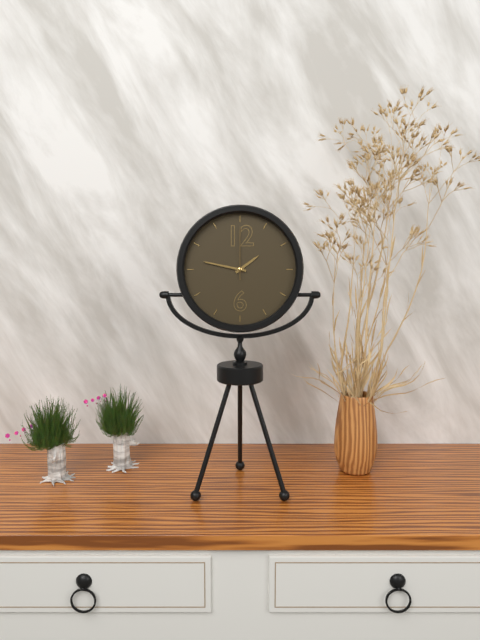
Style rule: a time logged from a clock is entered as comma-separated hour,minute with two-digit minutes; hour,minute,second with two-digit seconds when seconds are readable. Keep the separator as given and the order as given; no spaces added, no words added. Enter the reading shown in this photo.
1,47,00
